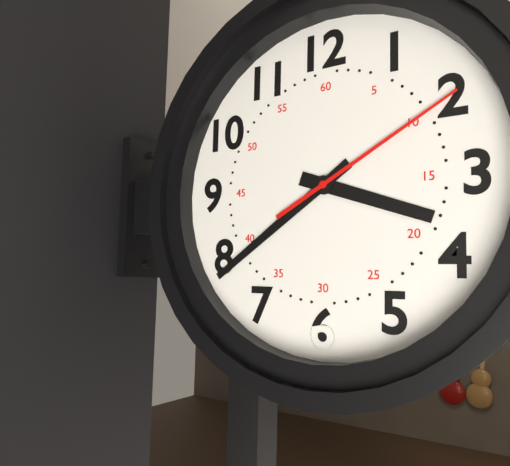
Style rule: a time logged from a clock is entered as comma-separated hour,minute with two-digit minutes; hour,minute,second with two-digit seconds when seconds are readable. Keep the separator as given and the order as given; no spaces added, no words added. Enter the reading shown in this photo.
3,39,10
